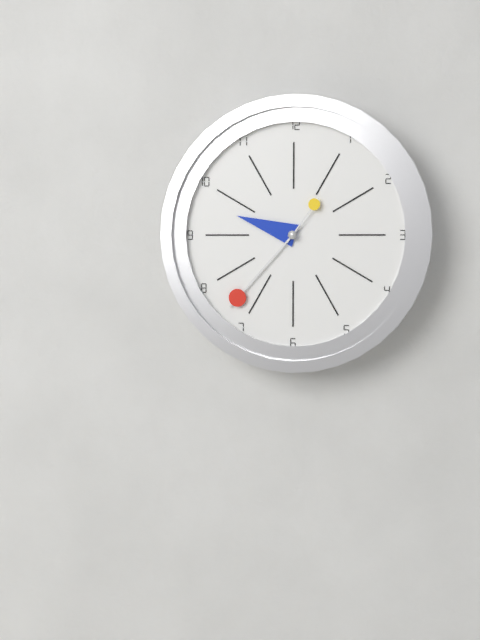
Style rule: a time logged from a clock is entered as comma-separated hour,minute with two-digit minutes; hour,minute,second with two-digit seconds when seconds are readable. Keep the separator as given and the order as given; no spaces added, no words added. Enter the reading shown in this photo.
9,37,06
